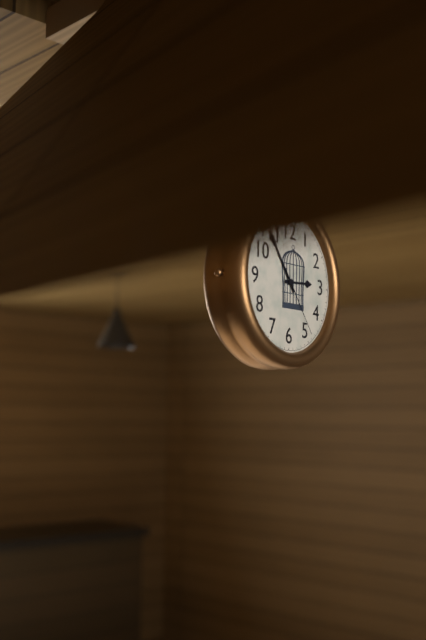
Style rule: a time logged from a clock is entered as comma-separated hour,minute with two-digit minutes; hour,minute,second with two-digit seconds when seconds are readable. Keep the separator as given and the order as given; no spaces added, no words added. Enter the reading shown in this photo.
2,54,24
